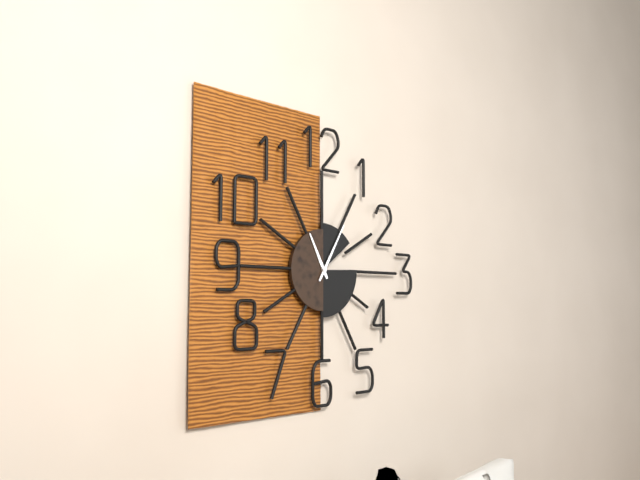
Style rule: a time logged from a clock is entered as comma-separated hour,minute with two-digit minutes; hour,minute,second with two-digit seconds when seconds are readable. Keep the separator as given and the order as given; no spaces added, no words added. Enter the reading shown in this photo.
11,05
